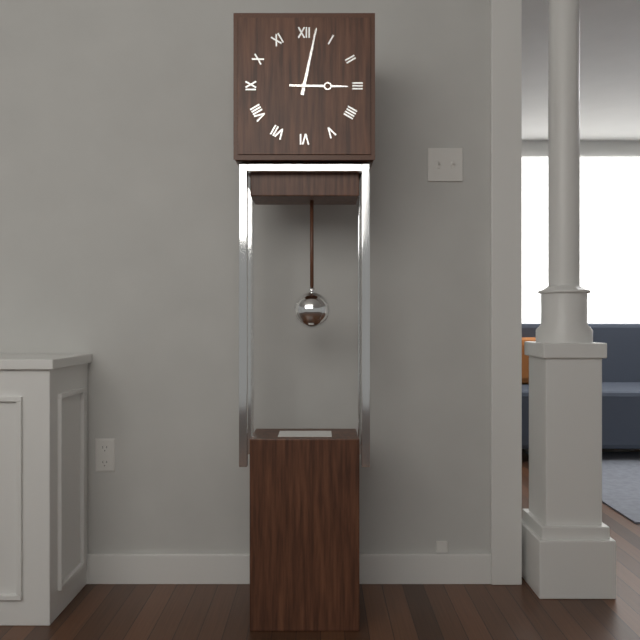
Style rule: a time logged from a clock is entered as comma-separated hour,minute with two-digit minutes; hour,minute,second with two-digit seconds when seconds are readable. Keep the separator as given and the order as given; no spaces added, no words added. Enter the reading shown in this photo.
3,02
